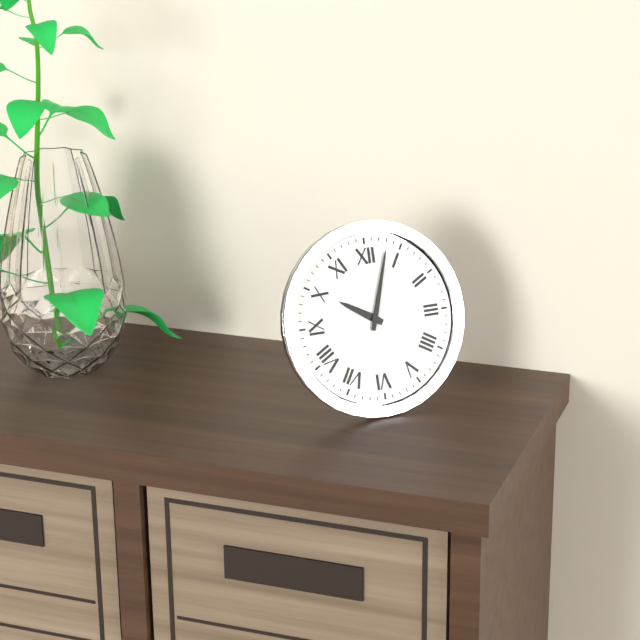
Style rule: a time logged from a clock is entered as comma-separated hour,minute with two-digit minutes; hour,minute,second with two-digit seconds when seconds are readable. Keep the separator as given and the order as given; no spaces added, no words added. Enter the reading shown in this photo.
10,03
